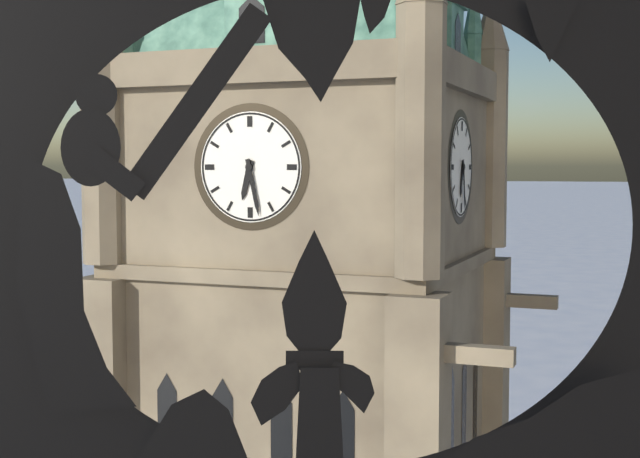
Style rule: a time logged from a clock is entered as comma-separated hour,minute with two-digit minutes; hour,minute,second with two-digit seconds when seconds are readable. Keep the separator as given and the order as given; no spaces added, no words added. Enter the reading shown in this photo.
6,28
